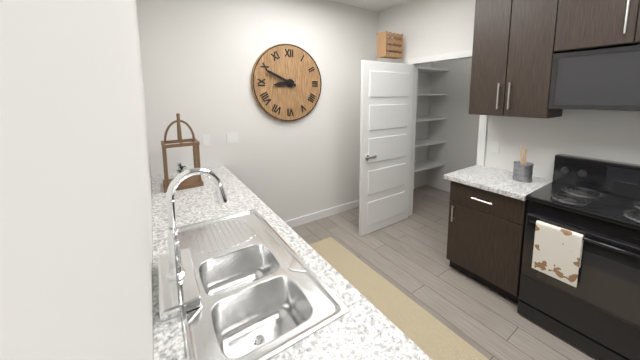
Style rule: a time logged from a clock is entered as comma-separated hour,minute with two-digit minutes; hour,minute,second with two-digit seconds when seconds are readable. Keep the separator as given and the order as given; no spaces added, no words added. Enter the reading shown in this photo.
8,49
